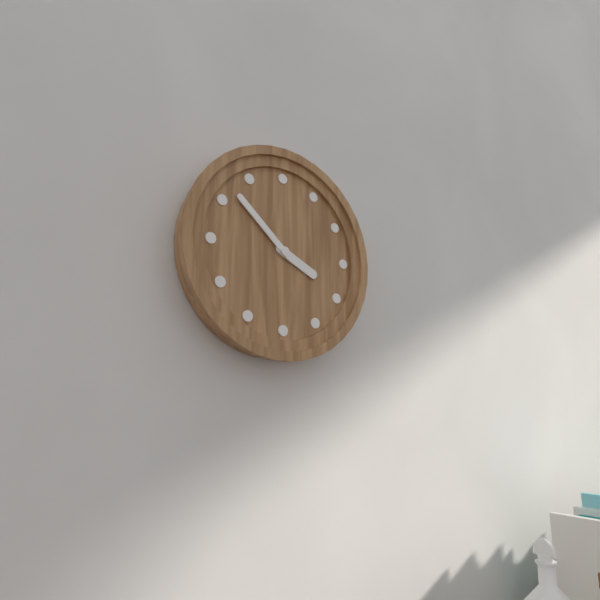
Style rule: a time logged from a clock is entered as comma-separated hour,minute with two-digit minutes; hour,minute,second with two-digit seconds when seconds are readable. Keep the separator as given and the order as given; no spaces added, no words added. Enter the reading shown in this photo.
3,52
